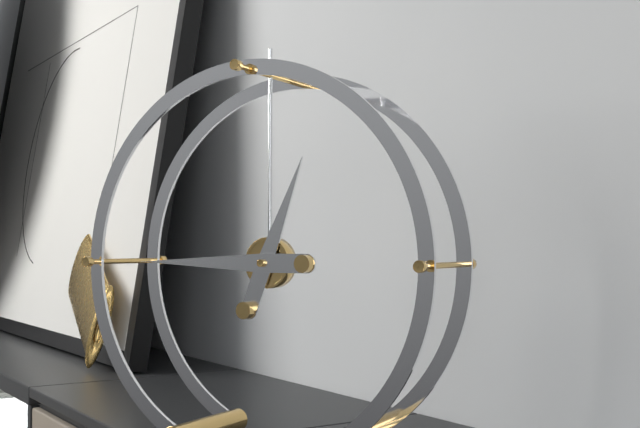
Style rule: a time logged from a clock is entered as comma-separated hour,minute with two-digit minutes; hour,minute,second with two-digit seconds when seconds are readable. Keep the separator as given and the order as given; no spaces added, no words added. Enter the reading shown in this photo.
12,45
